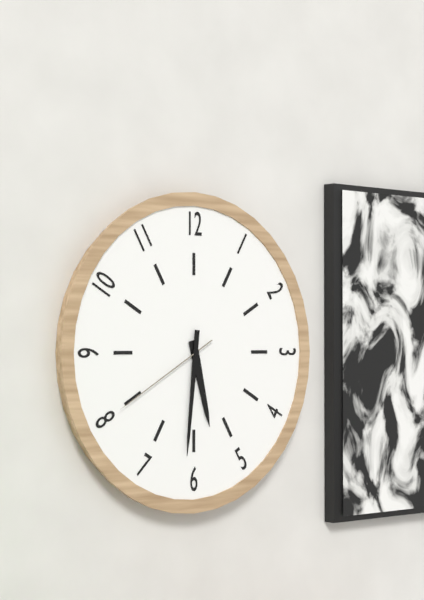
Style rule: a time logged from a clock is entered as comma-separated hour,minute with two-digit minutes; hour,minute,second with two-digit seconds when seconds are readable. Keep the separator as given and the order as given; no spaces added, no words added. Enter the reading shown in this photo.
5,31,40
